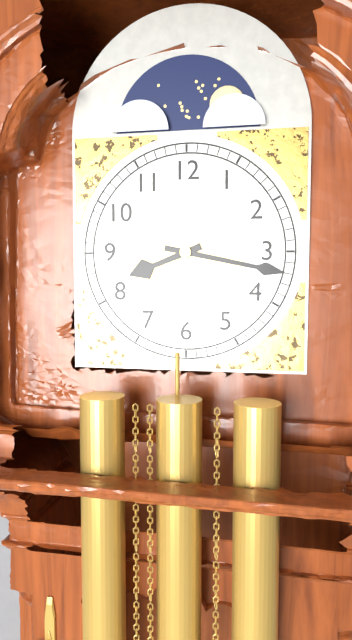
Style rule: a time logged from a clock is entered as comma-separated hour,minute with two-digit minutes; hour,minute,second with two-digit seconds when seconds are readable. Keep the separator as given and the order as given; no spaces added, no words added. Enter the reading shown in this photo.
8,17
